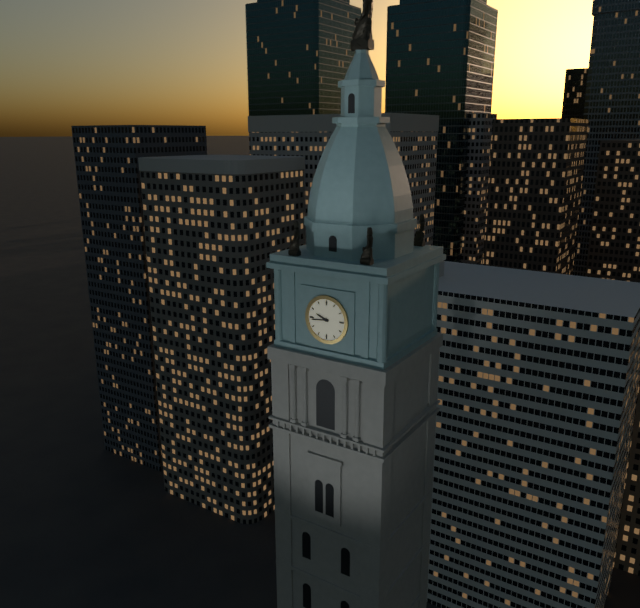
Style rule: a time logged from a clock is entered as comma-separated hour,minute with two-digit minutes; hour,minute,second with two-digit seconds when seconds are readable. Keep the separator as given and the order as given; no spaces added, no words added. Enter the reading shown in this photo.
9,44
